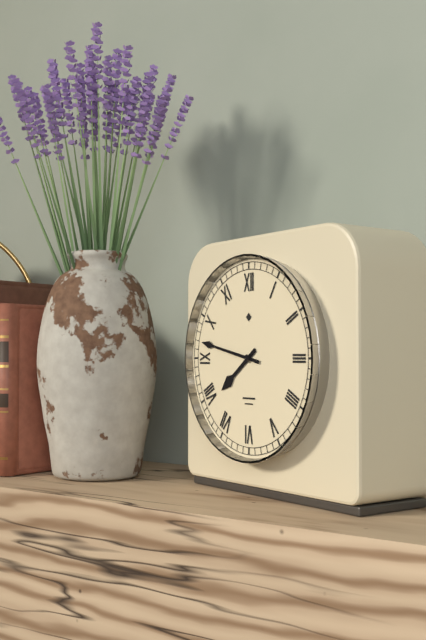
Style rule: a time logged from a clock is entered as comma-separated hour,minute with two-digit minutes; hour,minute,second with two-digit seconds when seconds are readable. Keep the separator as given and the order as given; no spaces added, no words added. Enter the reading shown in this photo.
7,47
